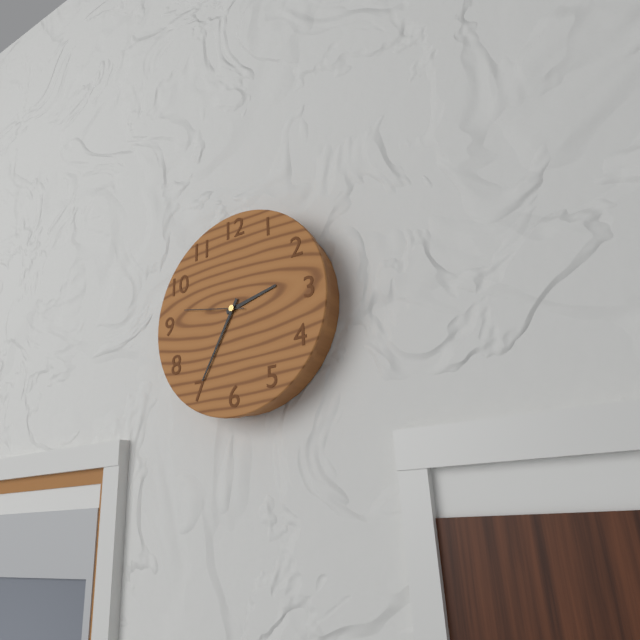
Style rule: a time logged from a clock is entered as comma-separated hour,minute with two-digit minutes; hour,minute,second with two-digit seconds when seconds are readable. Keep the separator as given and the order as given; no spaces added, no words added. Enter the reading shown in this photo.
2,35,47
